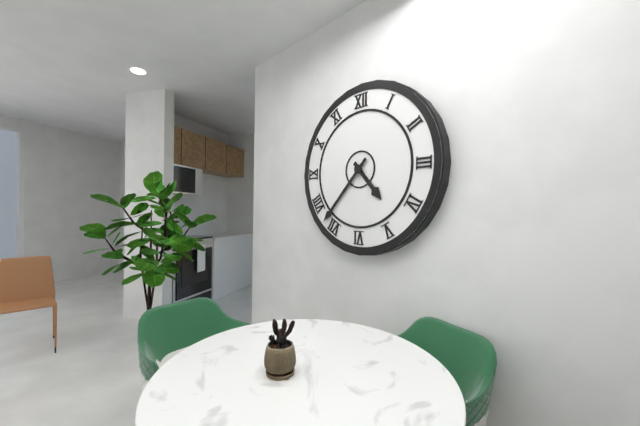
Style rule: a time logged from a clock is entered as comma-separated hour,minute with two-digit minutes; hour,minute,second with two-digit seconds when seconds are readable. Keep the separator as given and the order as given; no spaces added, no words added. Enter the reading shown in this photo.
4,37
